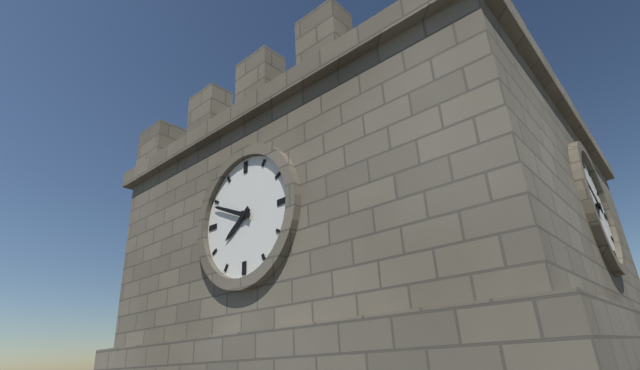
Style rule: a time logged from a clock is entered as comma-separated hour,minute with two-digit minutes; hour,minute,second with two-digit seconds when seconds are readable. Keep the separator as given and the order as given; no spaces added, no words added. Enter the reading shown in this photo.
7,49
